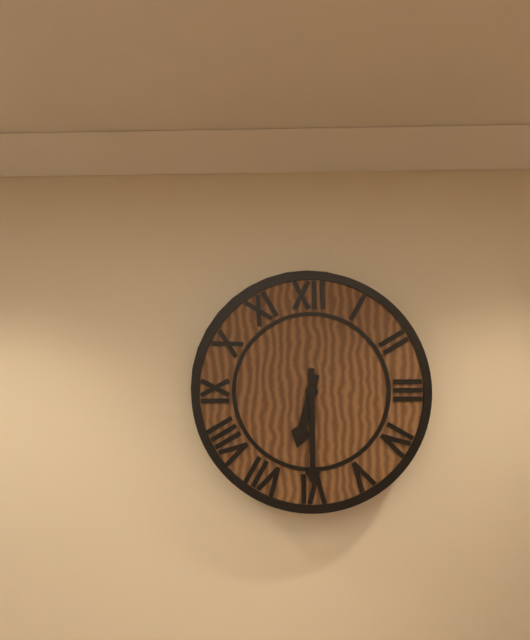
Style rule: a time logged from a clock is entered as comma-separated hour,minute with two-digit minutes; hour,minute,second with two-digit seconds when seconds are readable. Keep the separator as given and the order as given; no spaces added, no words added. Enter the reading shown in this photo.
6,30
